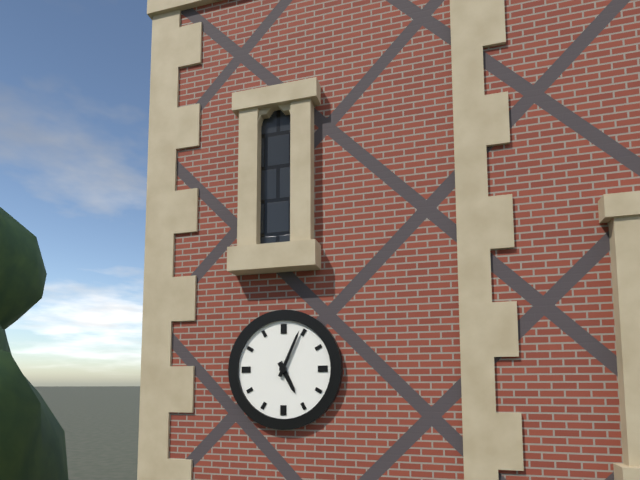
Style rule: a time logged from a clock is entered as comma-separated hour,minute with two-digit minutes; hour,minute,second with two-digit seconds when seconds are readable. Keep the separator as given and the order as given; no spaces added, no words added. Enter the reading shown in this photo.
5,04
